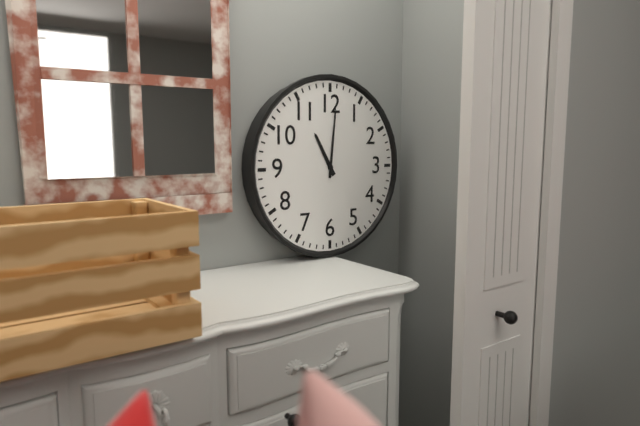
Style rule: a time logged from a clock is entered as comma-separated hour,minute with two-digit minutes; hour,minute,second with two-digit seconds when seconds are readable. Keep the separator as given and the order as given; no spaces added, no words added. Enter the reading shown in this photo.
11,01
